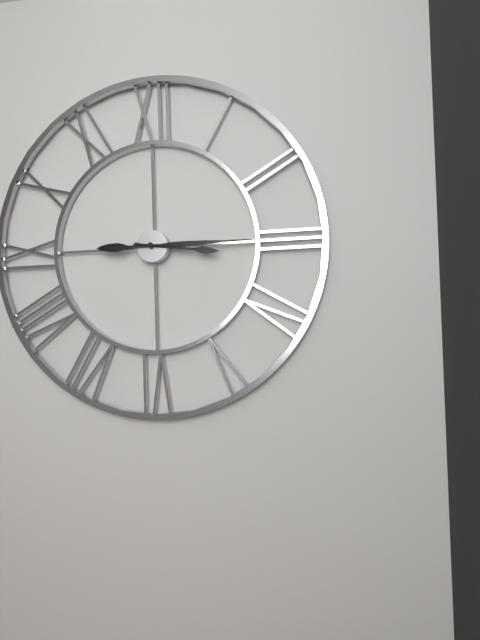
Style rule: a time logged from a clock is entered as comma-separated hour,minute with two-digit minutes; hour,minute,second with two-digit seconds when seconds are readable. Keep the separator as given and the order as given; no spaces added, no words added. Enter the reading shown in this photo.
3,15
